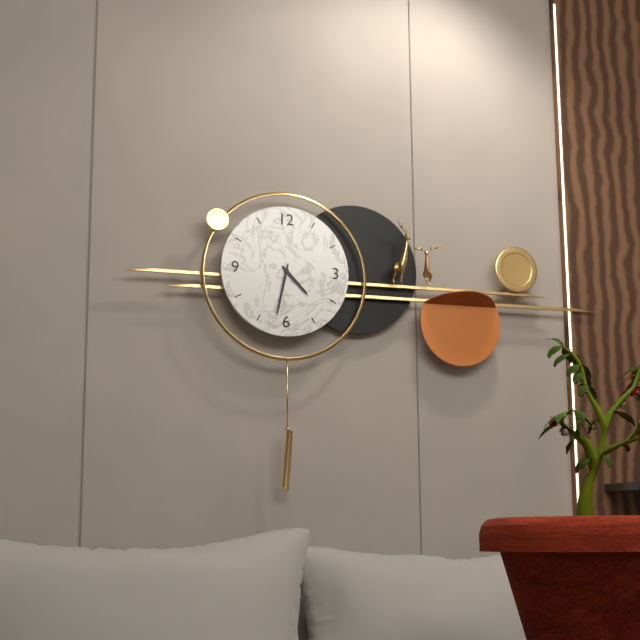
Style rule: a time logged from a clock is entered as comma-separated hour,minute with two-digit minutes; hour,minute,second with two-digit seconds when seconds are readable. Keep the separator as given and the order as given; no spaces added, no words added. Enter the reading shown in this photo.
4,32
